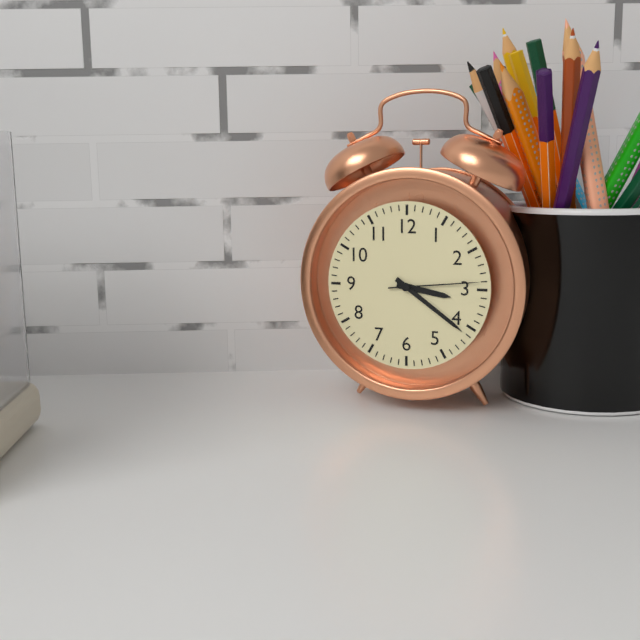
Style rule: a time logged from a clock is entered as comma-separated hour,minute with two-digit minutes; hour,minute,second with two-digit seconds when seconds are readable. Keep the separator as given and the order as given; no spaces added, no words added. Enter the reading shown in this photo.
3,21,14
